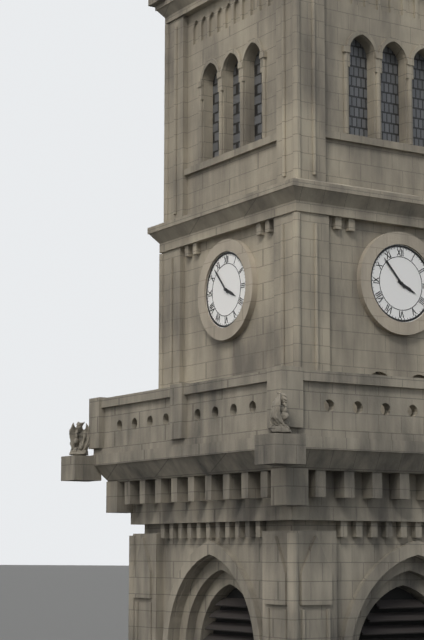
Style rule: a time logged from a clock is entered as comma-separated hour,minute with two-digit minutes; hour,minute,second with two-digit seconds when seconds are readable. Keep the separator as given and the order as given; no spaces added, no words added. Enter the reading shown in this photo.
3,53
